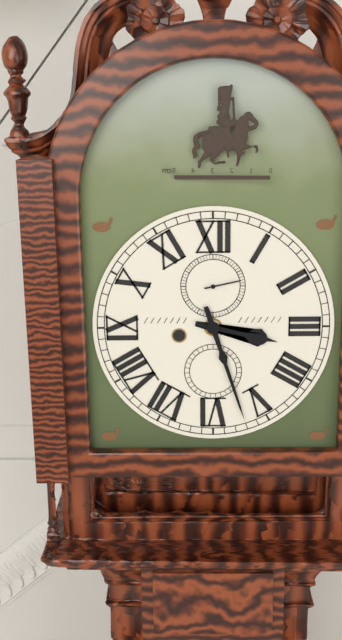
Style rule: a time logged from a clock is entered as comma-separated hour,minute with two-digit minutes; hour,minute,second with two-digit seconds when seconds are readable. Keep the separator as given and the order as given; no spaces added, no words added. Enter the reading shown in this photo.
3,27
